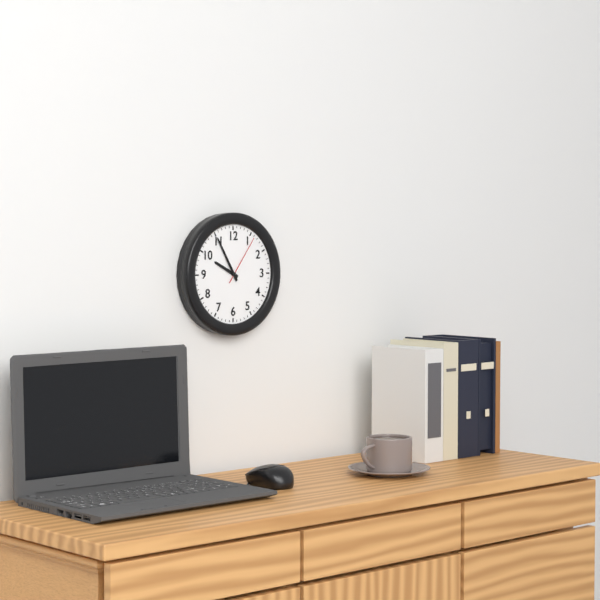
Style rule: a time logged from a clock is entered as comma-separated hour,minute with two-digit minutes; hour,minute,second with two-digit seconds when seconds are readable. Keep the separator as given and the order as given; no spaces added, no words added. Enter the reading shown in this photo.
9,55,06
